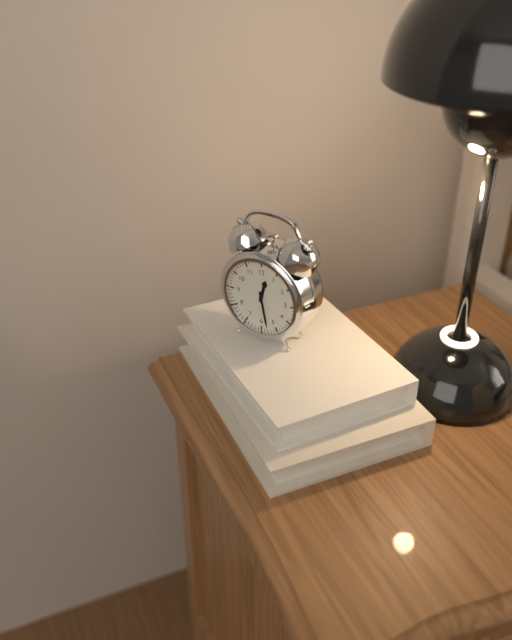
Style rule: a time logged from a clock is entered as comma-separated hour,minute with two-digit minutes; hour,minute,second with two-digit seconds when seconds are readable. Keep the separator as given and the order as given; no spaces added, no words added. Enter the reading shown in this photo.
12,28
